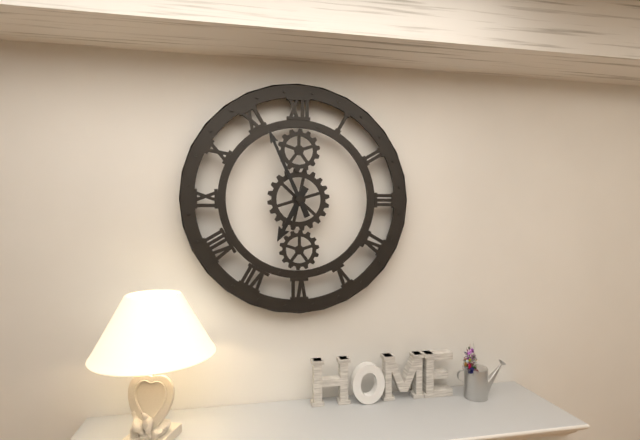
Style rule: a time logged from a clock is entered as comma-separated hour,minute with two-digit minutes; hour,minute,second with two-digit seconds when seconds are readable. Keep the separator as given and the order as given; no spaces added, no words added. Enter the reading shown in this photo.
6,56
